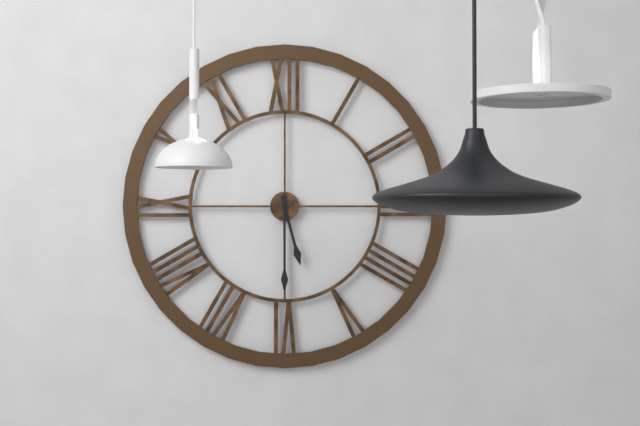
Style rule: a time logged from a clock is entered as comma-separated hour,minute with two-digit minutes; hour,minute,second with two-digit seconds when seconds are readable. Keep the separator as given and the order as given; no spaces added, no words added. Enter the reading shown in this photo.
5,30
